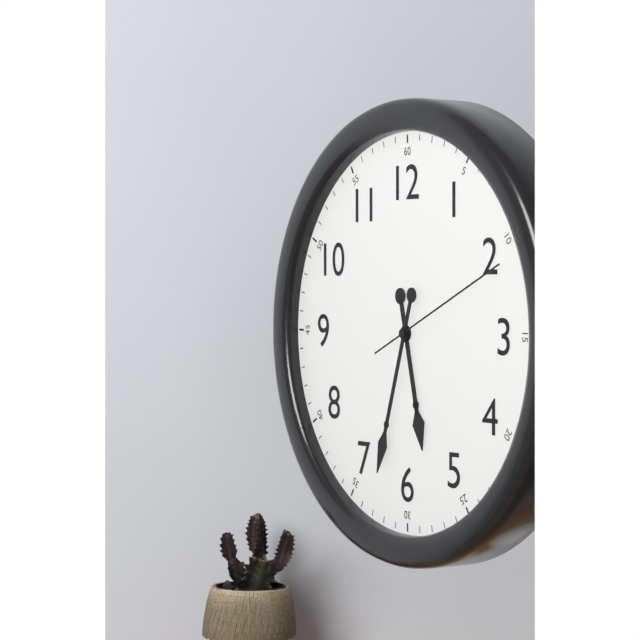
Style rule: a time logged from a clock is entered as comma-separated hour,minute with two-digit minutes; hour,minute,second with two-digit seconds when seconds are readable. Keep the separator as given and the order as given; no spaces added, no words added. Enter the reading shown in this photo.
5,33,11
